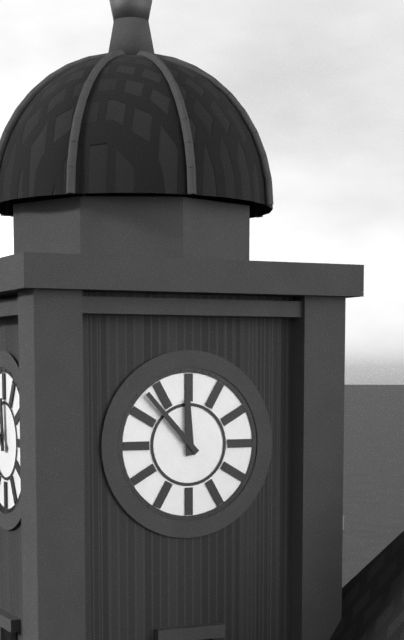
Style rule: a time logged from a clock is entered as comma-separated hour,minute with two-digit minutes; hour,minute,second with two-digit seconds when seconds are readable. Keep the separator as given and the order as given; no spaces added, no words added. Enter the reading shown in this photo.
11,53
